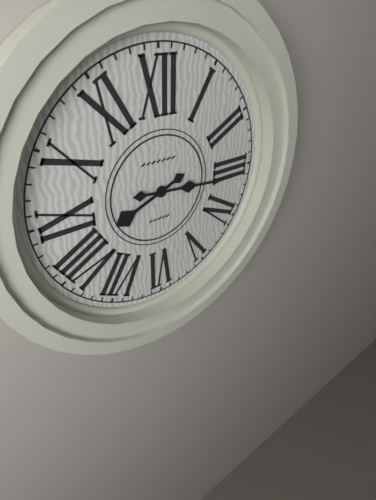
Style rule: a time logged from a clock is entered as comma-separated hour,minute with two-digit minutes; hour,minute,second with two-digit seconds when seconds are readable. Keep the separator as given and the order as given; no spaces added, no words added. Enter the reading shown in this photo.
8,16
